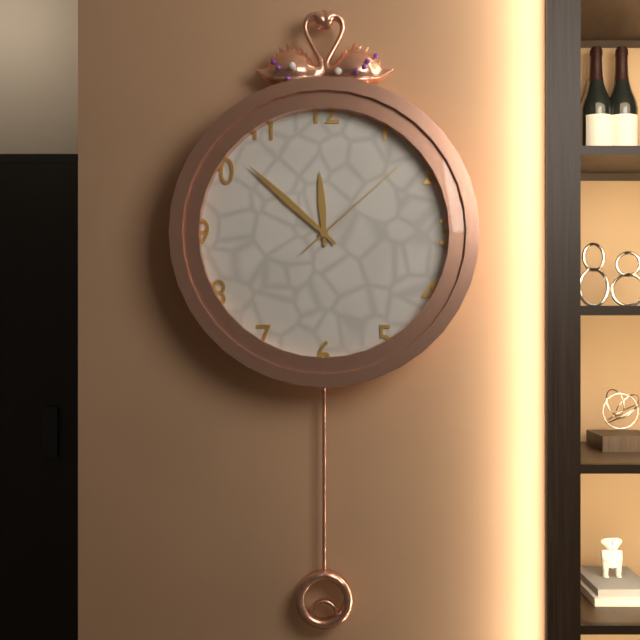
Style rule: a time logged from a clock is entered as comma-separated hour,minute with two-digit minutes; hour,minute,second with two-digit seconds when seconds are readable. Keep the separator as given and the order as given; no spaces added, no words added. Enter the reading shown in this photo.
11,52,08
